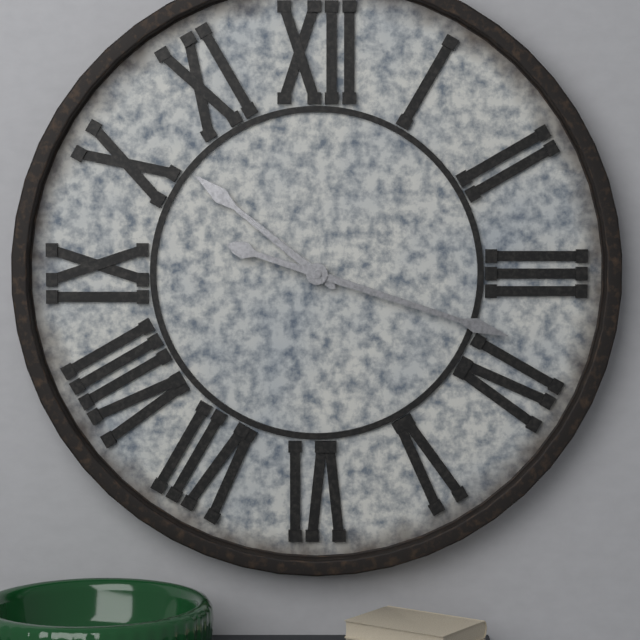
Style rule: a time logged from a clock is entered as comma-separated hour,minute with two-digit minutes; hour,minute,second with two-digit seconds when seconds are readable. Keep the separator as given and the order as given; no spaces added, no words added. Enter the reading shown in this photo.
10,18
